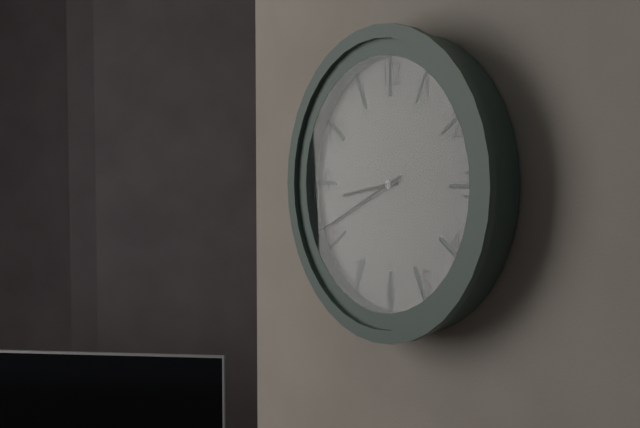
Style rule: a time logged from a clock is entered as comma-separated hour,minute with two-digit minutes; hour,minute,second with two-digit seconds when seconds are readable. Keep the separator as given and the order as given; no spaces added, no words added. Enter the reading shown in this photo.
8,41
